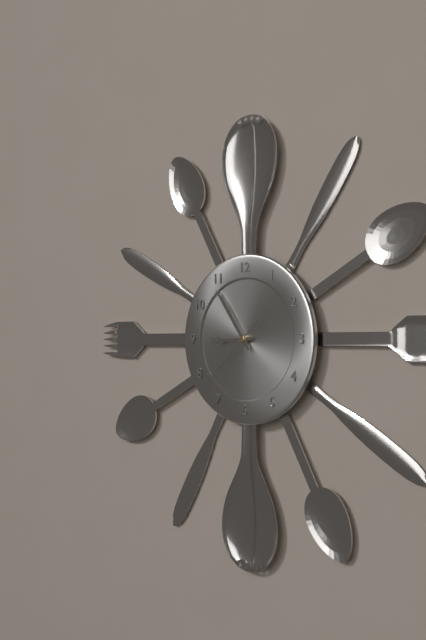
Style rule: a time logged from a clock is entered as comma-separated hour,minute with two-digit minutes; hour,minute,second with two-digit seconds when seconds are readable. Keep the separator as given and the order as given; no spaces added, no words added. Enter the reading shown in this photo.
8,54,38
